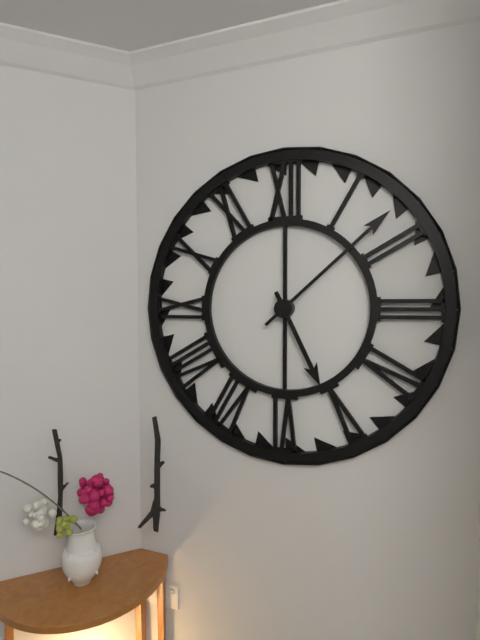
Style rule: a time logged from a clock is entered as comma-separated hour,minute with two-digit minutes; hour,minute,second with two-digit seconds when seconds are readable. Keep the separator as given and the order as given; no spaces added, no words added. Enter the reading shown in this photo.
5,08
